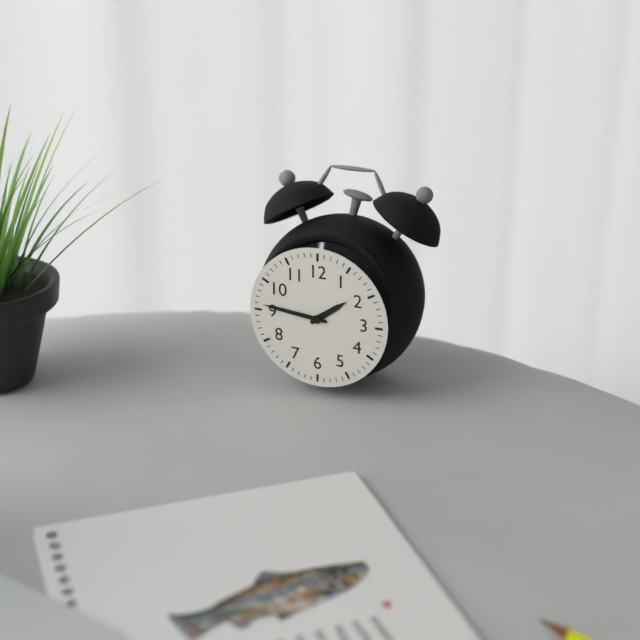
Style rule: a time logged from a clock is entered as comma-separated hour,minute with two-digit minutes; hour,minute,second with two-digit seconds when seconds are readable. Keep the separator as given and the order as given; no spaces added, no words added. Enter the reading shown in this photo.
1,46
